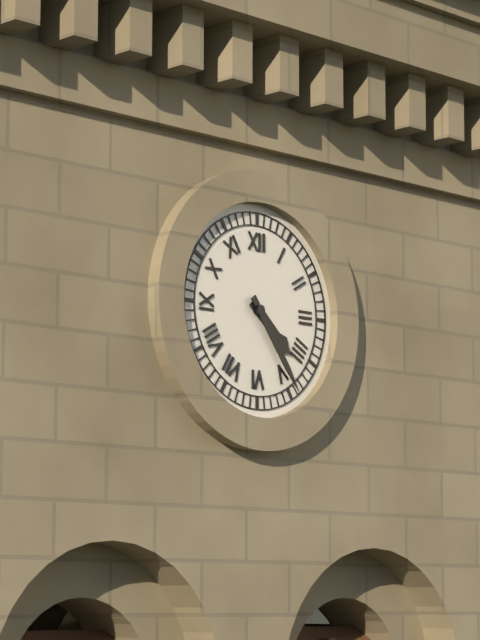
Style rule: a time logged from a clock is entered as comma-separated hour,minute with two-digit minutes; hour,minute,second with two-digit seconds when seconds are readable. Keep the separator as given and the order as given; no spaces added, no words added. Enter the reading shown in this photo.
4,24
